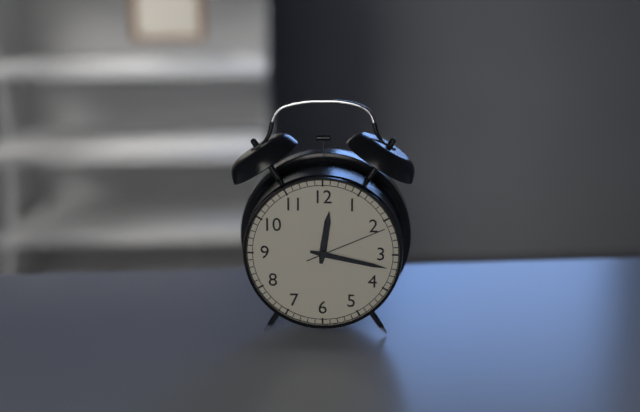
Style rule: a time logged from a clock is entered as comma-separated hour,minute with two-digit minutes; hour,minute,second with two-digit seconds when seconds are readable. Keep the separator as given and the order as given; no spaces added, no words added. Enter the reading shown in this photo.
12,17,11
